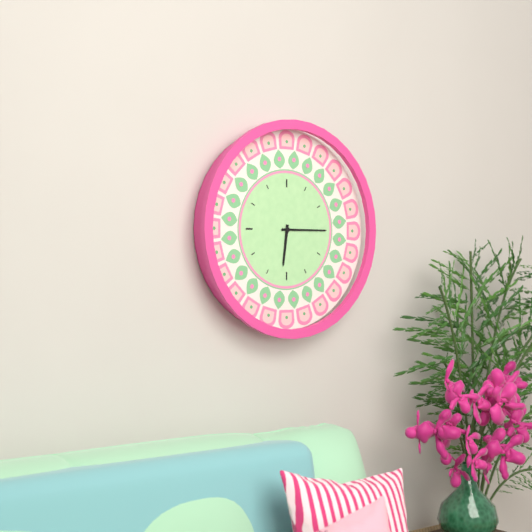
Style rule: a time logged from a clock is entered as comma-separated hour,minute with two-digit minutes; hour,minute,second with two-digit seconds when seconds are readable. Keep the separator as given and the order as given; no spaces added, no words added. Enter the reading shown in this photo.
6,15
